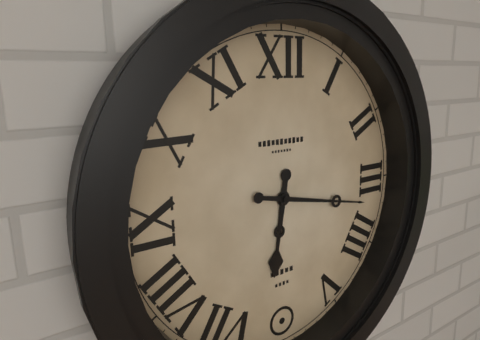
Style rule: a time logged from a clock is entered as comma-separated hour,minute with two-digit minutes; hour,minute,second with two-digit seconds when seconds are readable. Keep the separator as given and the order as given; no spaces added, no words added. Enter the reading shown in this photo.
6,17
